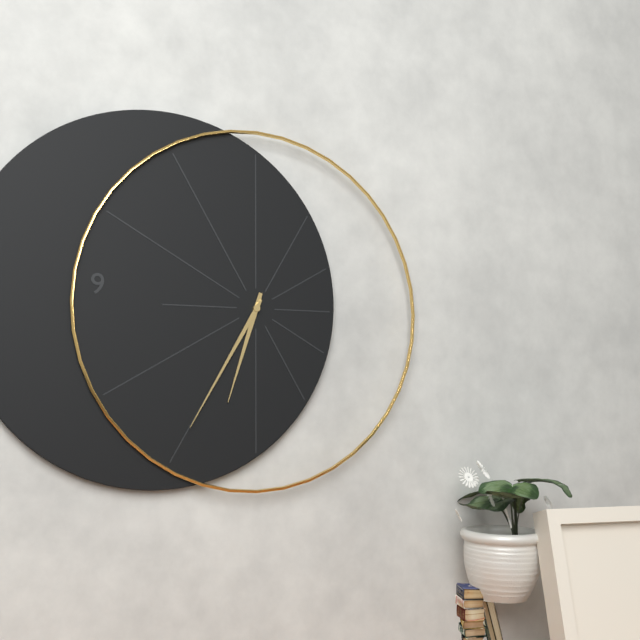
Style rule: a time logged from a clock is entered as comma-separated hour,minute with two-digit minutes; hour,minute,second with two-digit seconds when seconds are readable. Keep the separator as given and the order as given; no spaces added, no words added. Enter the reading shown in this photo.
6,35
